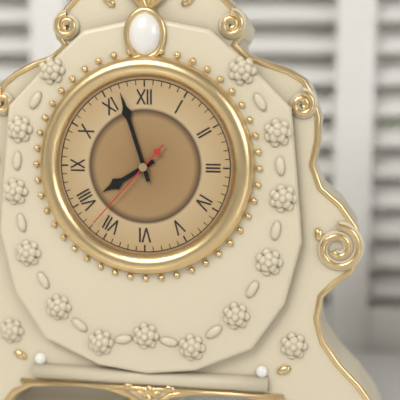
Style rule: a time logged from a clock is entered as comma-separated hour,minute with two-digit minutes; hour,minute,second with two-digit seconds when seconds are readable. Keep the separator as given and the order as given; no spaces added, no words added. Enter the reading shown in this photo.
7,57,37
